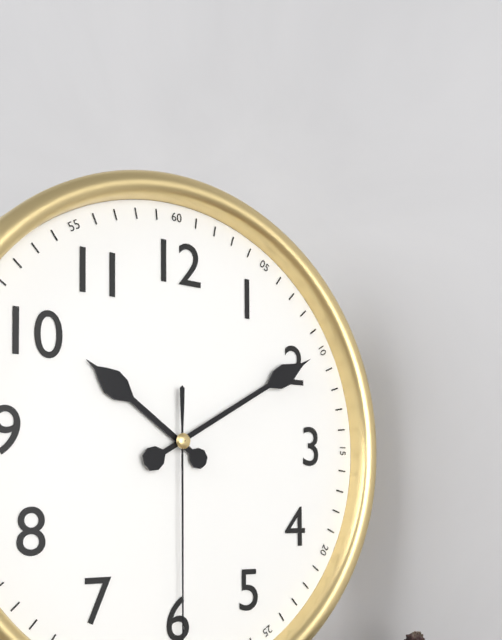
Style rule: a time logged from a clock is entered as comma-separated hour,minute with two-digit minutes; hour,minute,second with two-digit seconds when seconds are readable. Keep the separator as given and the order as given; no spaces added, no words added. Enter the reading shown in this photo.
10,10
